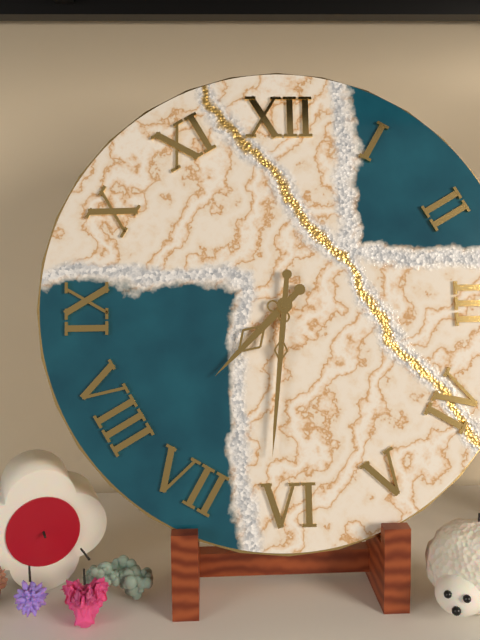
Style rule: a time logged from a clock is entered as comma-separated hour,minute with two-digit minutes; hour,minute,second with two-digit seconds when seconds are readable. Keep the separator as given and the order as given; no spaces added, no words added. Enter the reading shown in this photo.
7,31
